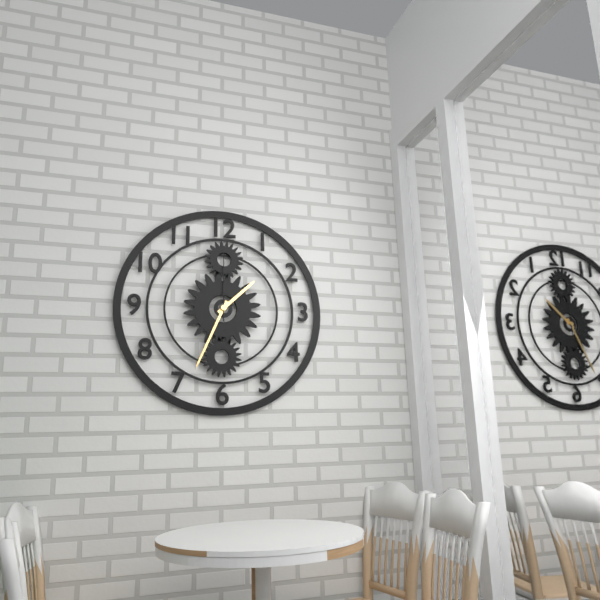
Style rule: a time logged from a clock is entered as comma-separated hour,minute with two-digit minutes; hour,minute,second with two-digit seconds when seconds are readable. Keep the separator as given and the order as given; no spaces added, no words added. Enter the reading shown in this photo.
1,34,00
